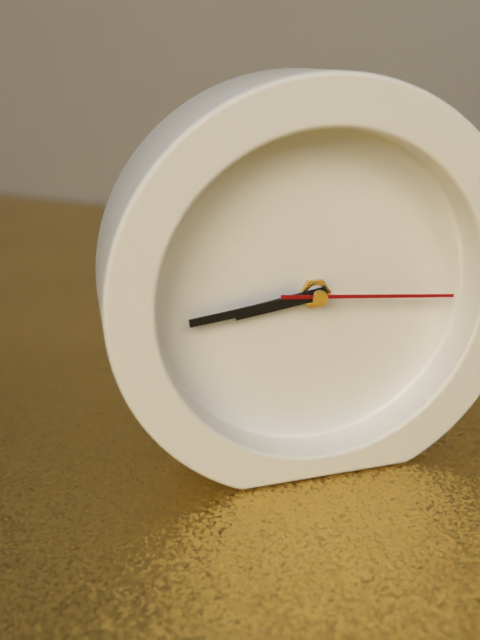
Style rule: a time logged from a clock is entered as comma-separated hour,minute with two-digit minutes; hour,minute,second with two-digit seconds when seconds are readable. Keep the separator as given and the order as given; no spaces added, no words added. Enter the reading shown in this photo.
8,44,16
